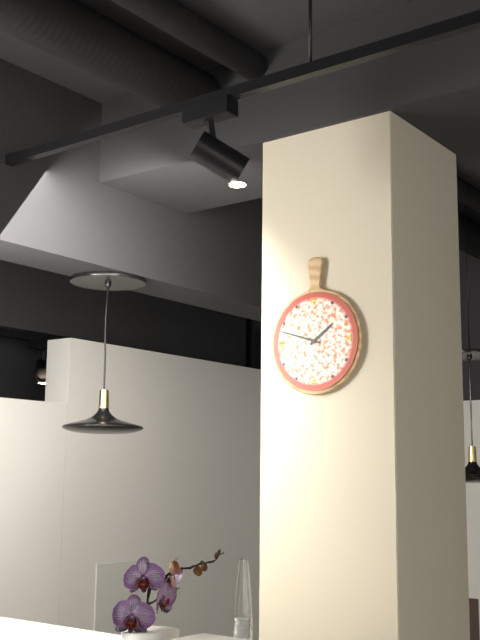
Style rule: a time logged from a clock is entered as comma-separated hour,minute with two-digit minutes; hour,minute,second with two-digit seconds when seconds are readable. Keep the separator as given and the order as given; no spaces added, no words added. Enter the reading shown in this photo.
1,48
